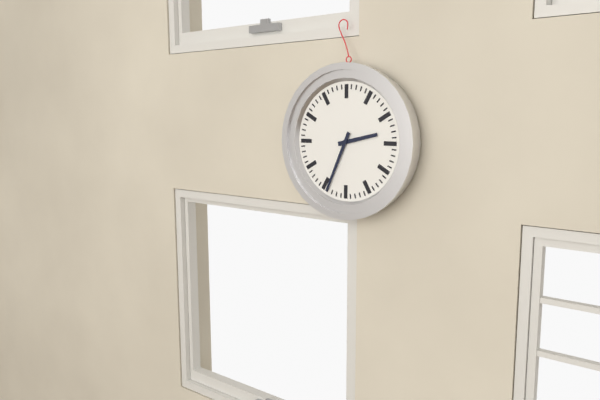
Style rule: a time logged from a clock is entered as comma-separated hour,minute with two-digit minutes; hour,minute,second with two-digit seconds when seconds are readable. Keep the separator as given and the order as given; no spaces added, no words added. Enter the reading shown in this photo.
2,34
